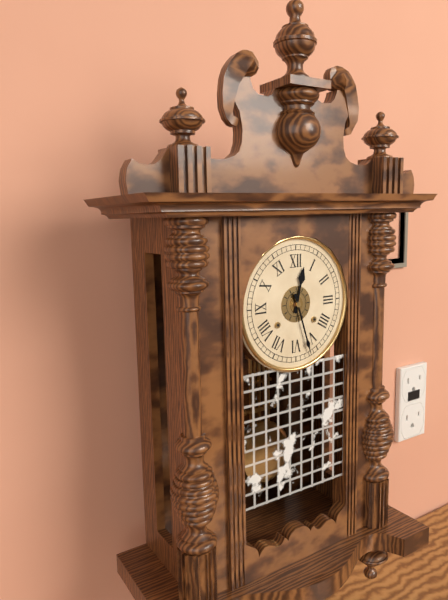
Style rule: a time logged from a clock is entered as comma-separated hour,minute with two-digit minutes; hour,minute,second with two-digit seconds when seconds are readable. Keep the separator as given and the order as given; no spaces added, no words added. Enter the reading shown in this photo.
12,27
